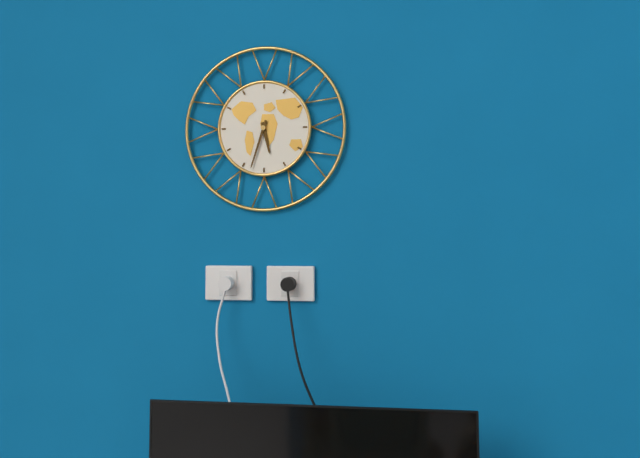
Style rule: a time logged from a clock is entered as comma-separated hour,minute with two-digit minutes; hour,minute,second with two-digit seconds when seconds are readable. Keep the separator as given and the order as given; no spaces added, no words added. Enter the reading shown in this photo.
5,33
